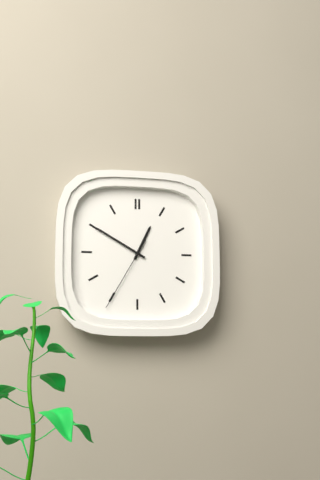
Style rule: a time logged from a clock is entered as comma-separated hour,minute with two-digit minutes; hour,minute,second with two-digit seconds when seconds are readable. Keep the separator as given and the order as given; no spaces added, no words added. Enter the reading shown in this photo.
12,50,35
